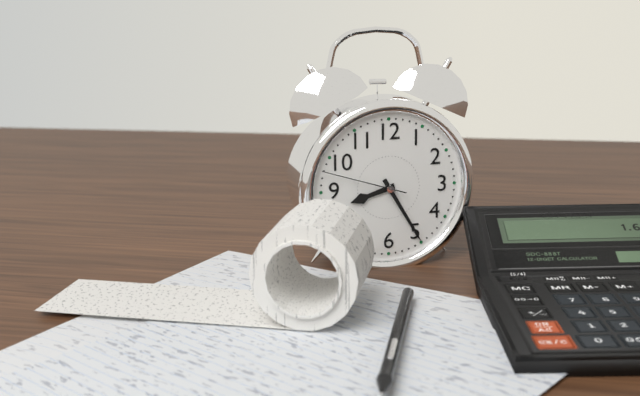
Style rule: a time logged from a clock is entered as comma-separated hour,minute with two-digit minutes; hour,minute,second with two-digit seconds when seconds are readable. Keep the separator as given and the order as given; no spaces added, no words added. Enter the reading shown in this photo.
8,25,48
